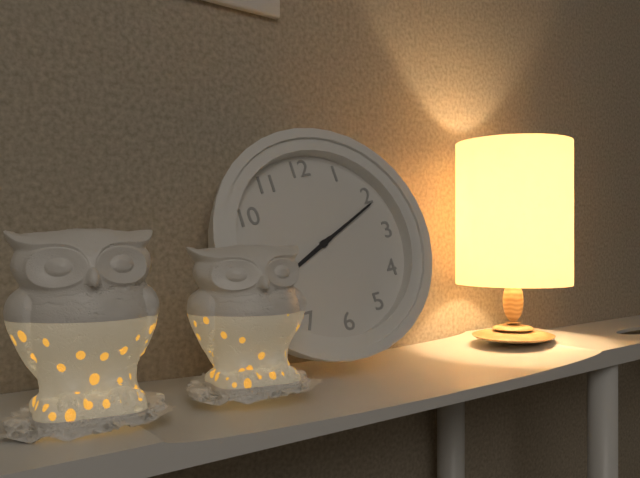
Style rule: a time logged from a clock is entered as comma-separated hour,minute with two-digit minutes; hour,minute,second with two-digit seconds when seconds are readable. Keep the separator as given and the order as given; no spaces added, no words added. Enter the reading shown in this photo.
8,11
